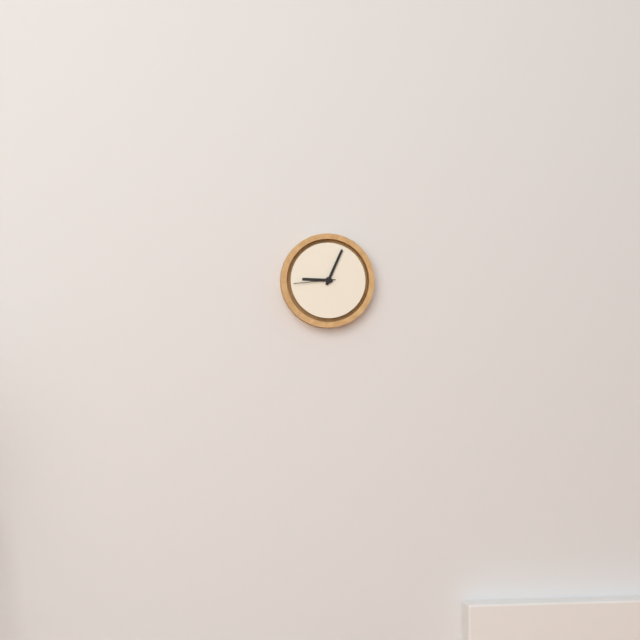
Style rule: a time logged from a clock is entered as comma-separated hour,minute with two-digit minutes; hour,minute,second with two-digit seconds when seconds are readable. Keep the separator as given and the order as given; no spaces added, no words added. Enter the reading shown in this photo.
9,04
